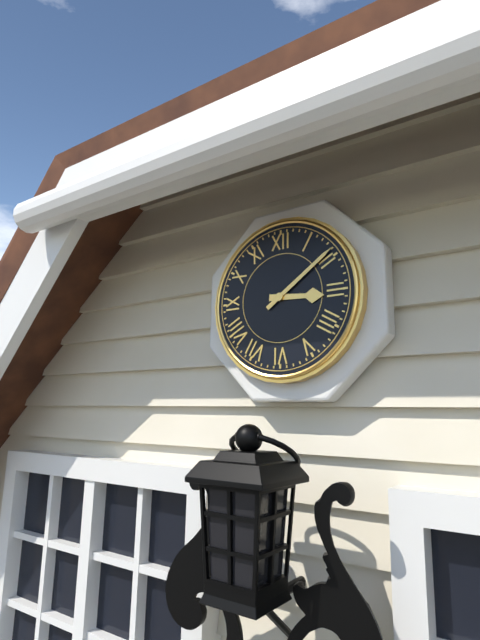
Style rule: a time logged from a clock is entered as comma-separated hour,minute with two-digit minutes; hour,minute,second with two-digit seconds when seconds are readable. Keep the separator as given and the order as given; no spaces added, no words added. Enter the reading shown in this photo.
3,09
